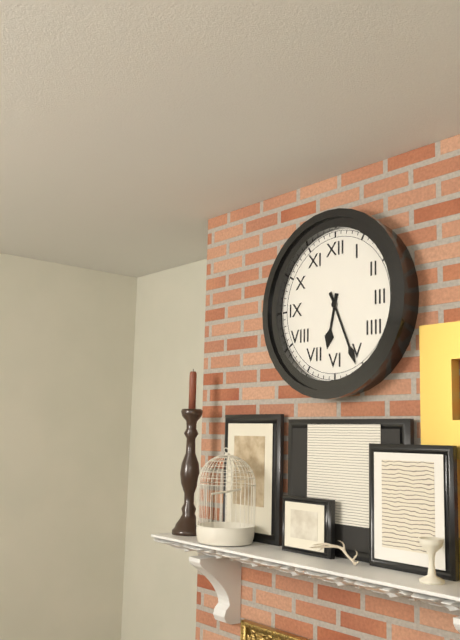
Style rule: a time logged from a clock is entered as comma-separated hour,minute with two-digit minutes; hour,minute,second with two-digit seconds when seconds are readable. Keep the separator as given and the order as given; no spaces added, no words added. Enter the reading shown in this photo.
6,26
